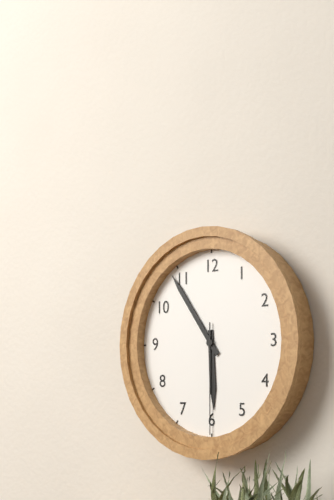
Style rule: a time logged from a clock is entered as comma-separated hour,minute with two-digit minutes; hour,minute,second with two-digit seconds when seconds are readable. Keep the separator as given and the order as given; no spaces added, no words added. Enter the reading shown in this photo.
5,54,30
